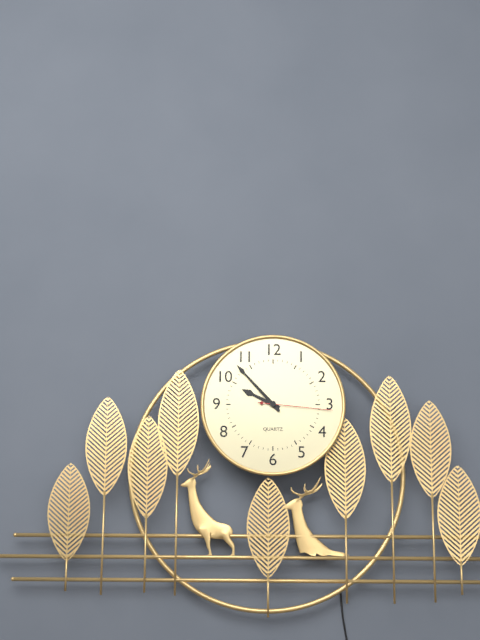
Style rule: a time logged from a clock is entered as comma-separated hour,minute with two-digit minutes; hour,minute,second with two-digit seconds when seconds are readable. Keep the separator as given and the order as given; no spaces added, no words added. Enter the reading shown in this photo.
9,53,16
